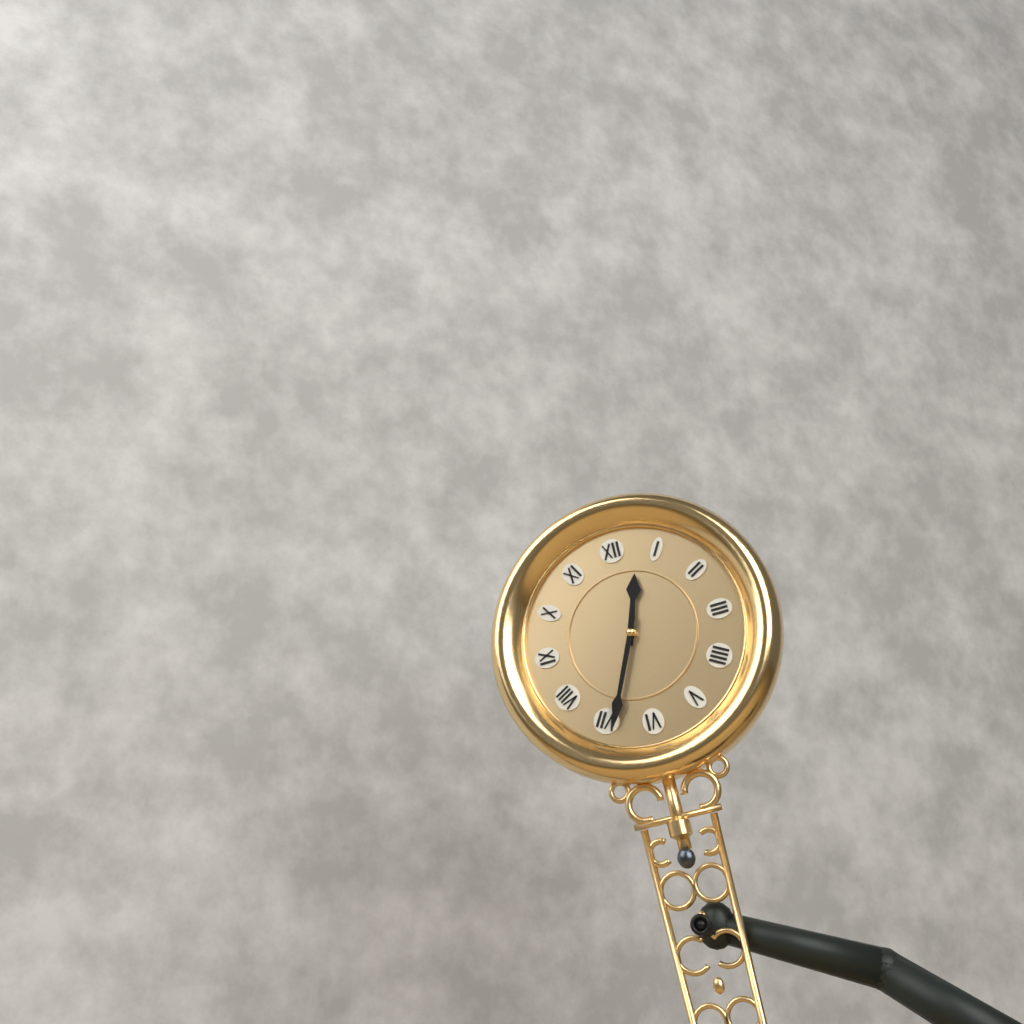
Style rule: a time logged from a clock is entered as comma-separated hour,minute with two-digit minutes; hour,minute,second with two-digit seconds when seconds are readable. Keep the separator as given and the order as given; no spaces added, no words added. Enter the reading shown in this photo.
12,34
